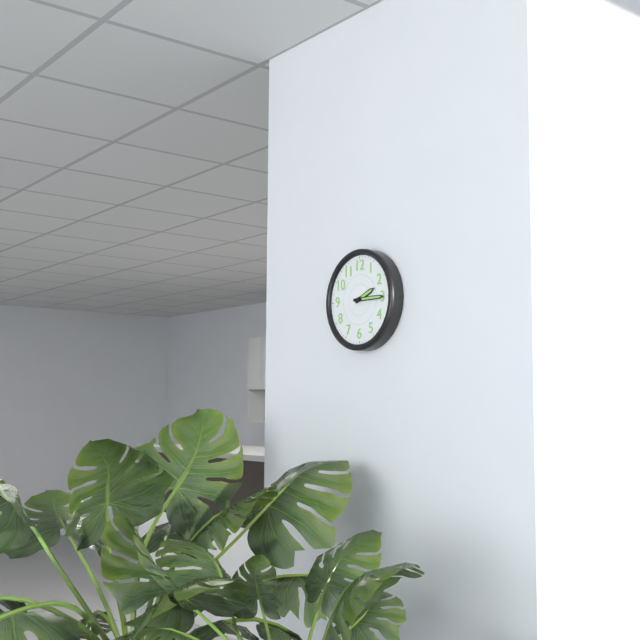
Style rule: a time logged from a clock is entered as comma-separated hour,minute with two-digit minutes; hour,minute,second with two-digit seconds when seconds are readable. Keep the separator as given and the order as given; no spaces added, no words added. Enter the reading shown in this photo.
2,15
